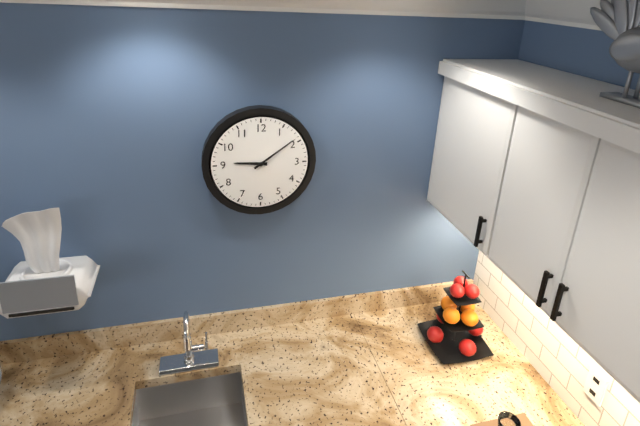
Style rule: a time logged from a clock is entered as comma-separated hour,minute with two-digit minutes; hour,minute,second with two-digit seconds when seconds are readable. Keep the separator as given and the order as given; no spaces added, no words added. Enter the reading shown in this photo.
9,09
